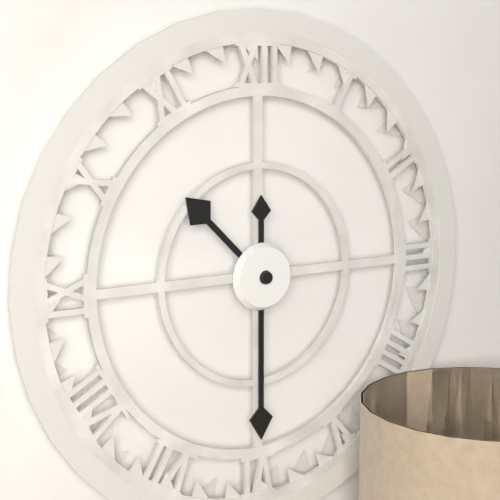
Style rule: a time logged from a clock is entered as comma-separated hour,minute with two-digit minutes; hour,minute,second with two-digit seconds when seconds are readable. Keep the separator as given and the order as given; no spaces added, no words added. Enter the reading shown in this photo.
10,30
